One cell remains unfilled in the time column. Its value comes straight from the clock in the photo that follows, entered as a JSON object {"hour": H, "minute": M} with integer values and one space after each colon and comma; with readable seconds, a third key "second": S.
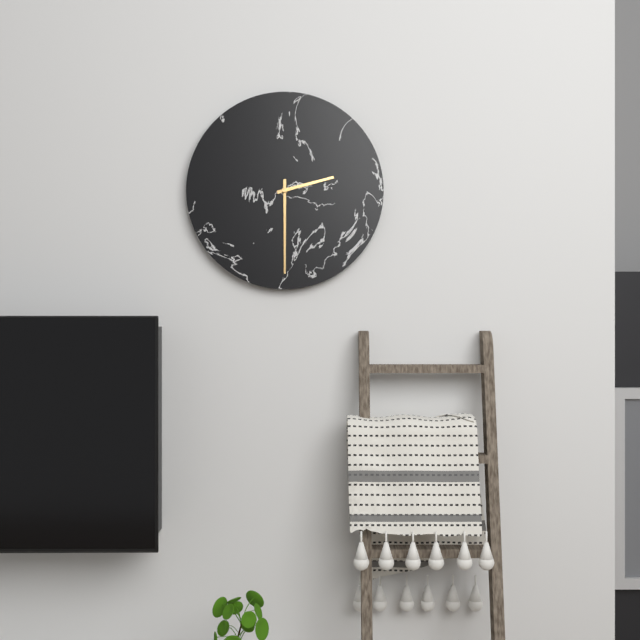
{"hour": 2, "minute": 30}
